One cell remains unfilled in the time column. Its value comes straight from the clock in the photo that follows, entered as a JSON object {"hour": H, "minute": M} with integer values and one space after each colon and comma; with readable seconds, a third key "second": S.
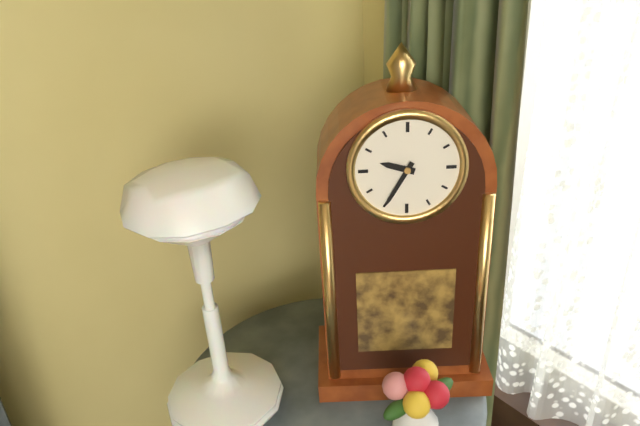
{"hour": 9, "minute": 35}
